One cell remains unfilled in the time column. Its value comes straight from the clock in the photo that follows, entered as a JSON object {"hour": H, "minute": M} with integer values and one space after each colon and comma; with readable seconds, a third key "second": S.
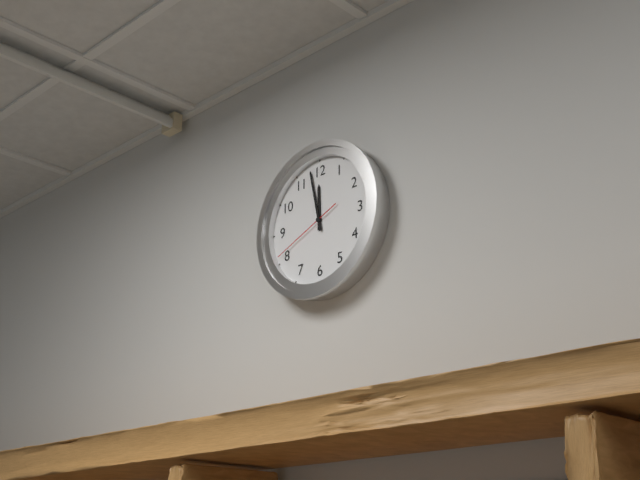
{"hour": 11, "minute": 58, "second": 41}
